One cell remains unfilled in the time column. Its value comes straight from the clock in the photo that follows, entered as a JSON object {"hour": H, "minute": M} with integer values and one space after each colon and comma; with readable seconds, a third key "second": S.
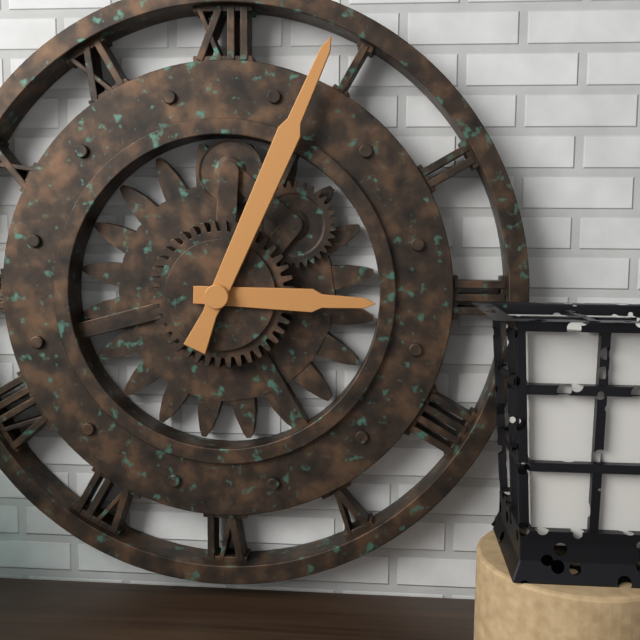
{"hour": 3, "minute": 4}
